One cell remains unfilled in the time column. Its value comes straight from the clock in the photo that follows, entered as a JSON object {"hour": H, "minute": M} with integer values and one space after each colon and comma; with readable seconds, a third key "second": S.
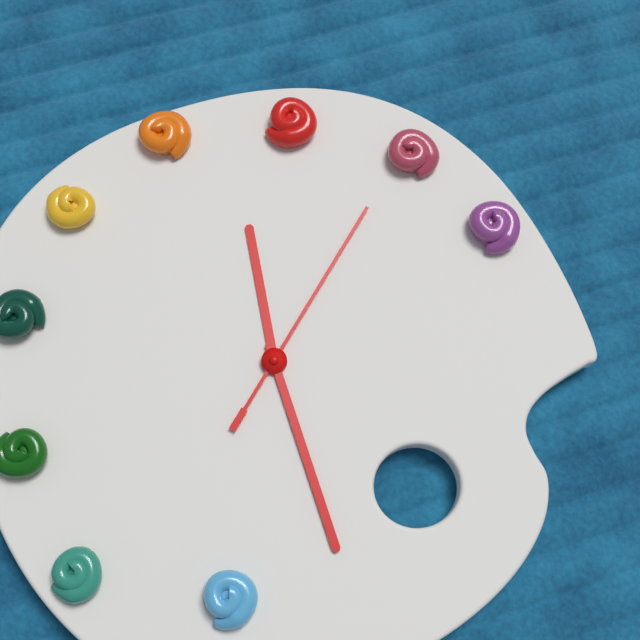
{"hour": 9, "minute": 15, "second": 53}
